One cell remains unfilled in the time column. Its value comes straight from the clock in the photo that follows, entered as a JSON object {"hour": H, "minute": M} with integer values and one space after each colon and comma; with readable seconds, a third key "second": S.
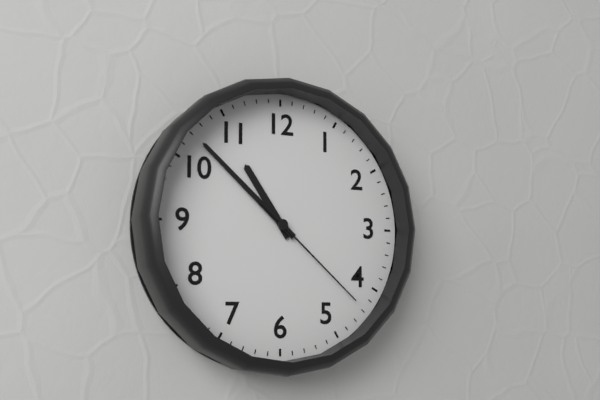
{"hour": 10, "minute": 52, "second": 22}
